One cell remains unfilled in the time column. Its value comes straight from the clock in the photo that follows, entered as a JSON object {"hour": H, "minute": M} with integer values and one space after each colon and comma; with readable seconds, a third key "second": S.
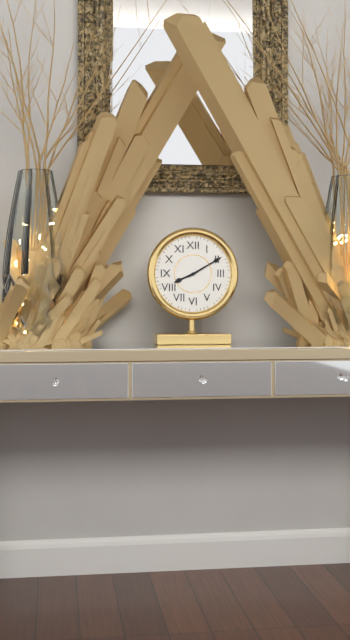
{"hour": 8, "minute": 10}
